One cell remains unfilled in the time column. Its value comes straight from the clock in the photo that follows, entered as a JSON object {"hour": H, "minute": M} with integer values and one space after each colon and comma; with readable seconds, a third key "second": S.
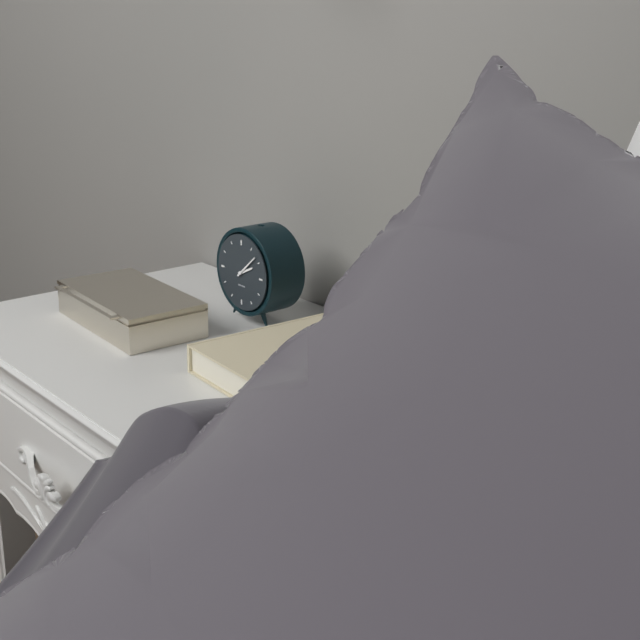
{"hour": 2, "minute": 8}
